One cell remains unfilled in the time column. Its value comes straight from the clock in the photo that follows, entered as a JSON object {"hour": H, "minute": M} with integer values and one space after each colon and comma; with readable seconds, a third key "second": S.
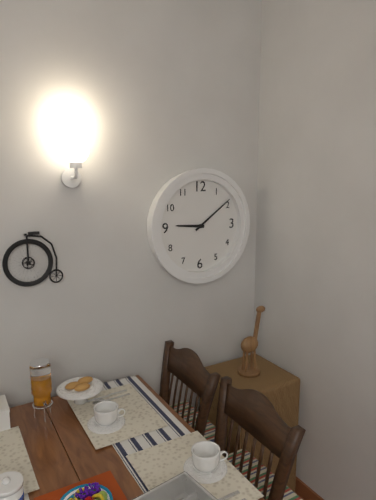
{"hour": 9, "minute": 9}
